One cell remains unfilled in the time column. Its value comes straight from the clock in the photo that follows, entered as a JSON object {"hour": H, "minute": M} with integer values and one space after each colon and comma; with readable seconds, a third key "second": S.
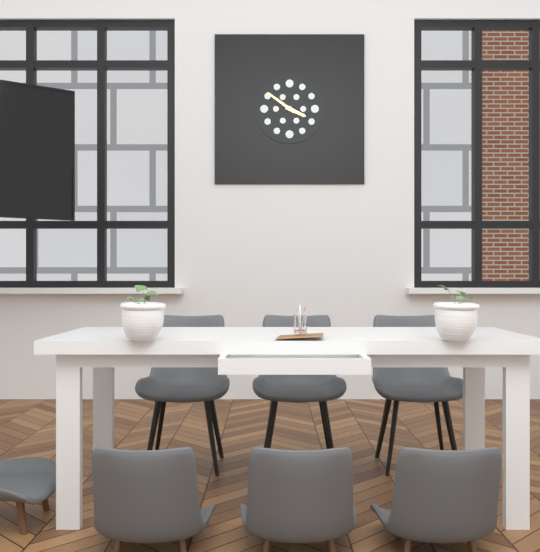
{"hour": 3, "minute": 51}
